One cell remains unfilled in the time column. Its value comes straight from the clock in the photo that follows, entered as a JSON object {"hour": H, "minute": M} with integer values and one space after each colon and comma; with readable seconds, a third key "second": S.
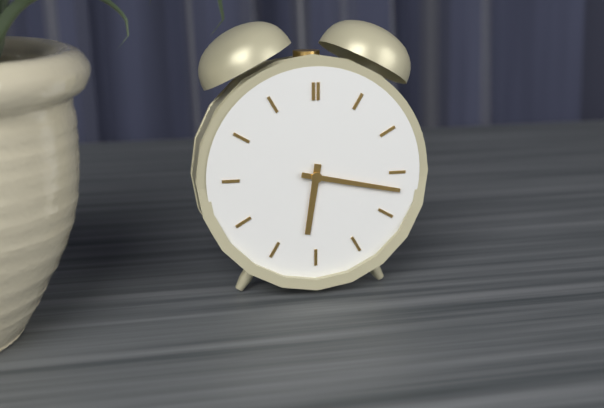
{"hour": 6, "minute": 17}
